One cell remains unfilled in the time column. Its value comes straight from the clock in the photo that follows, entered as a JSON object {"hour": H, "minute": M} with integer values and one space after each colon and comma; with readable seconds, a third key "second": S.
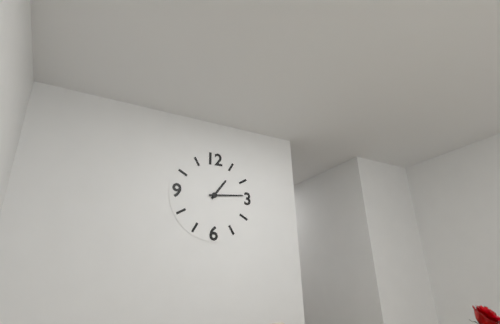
{"hour": 1, "minute": 14}
